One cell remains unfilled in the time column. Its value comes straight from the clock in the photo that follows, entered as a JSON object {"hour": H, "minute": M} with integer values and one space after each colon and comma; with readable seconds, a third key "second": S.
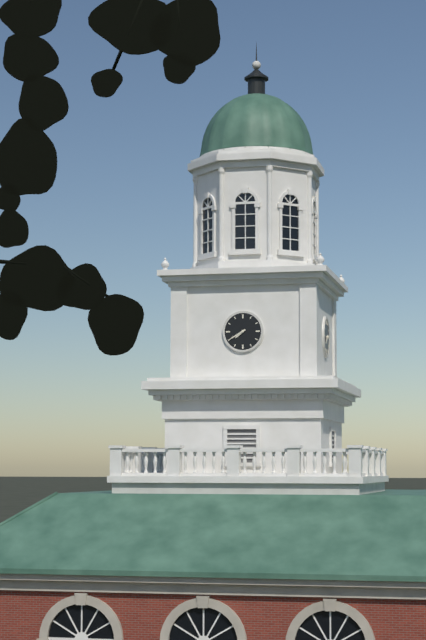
{"hour": 7, "minute": 40}
